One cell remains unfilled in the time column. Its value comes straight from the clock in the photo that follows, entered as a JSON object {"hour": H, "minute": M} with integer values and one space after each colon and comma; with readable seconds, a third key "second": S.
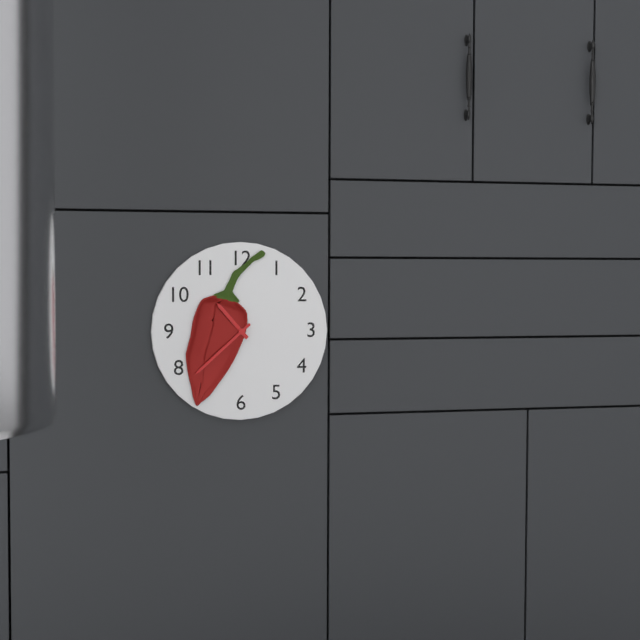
{"hour": 10, "minute": 38}
